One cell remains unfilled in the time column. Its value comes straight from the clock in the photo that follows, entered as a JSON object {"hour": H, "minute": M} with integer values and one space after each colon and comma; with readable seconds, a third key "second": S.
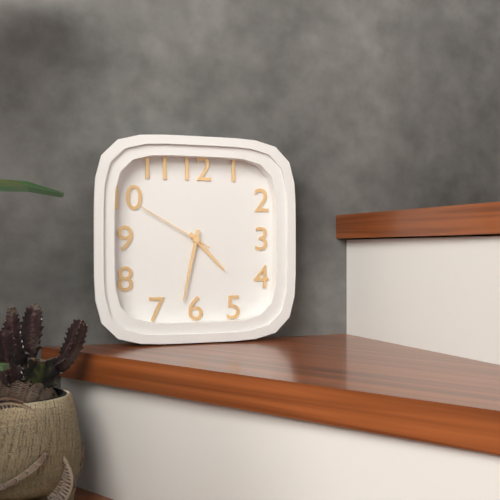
{"hour": 4, "minute": 32, "second": 50}
